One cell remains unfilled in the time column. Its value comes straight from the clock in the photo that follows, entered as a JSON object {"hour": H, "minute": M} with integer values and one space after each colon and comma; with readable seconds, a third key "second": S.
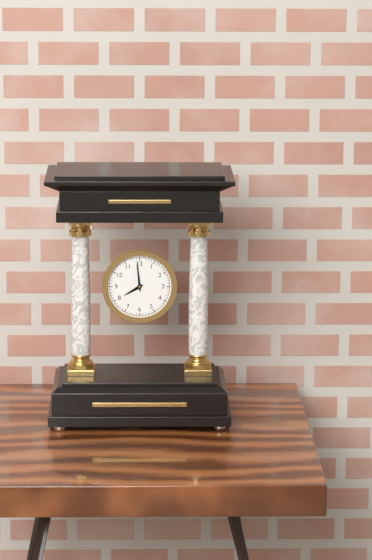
{"hour": 7, "minute": 59}
